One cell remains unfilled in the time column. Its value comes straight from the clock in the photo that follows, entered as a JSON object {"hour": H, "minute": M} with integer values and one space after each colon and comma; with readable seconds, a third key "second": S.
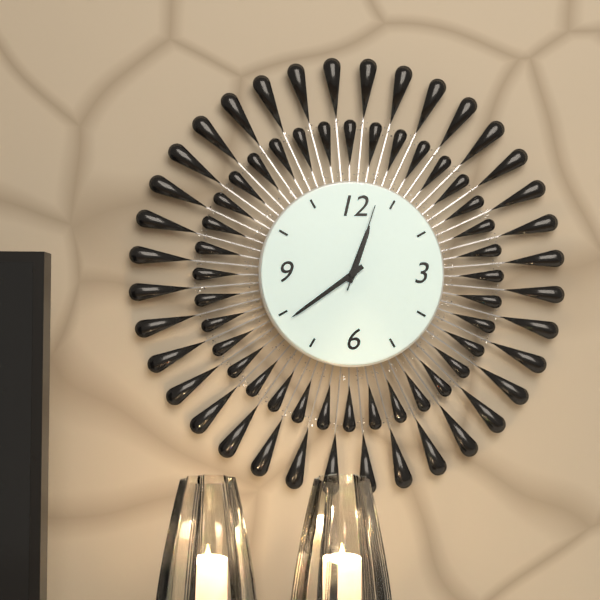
{"hour": 12, "minute": 39, "second": 3}
